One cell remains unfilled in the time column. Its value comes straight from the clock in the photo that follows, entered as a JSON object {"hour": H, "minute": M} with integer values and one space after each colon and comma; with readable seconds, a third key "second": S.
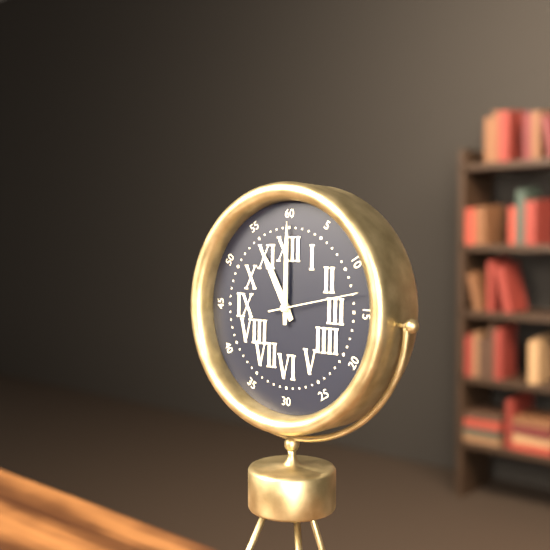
{"hour": 11, "minute": 0, "second": 13}
